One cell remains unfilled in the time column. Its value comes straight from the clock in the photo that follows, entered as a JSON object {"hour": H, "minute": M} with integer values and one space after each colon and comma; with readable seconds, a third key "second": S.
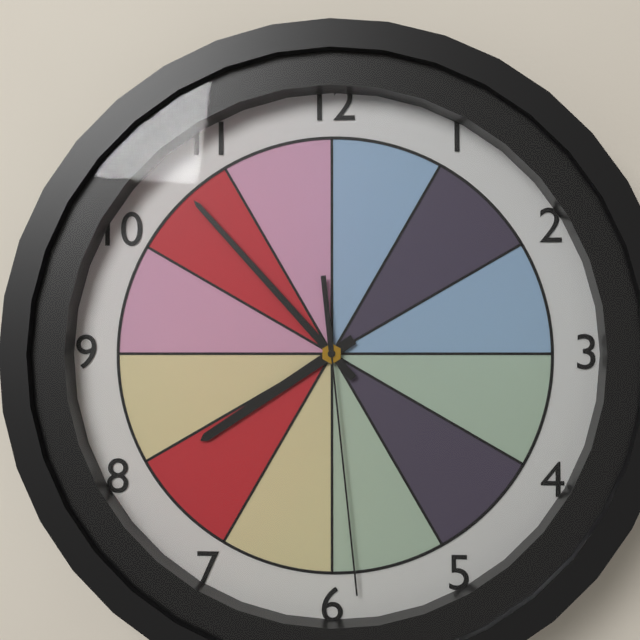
{"hour": 7, "minute": 53, "second": 29}
